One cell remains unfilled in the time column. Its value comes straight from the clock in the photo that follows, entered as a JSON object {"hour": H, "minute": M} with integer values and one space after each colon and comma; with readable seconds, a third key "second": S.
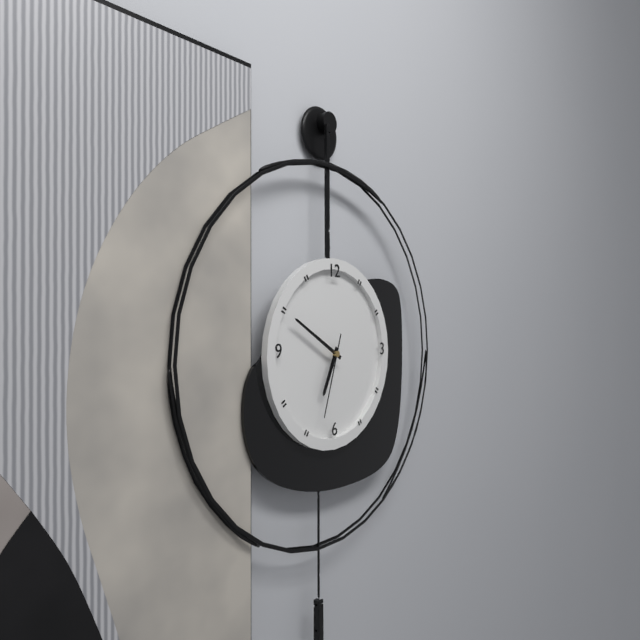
{"hour": 6, "minute": 50, "second": 33}
